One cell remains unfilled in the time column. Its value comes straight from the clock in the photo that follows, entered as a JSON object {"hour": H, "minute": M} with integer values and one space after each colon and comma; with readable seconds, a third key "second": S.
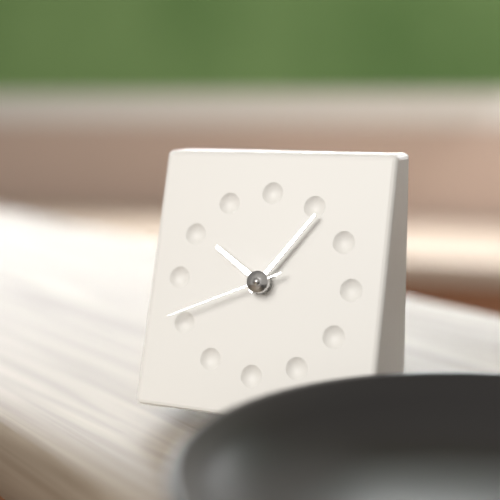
{"hour": 10, "minute": 6, "second": 41}
